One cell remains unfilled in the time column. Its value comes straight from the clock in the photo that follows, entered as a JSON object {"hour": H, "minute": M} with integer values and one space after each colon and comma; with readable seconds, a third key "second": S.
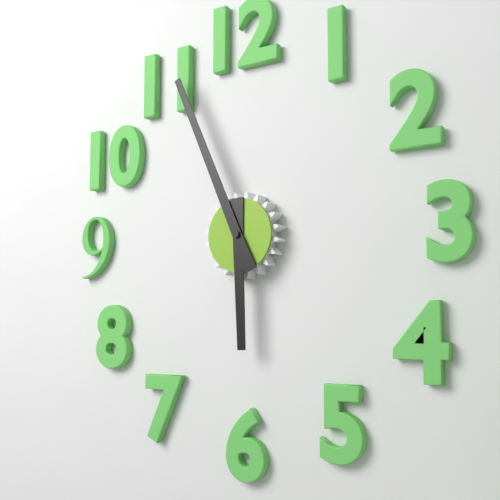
{"hour": 5, "minute": 56}
